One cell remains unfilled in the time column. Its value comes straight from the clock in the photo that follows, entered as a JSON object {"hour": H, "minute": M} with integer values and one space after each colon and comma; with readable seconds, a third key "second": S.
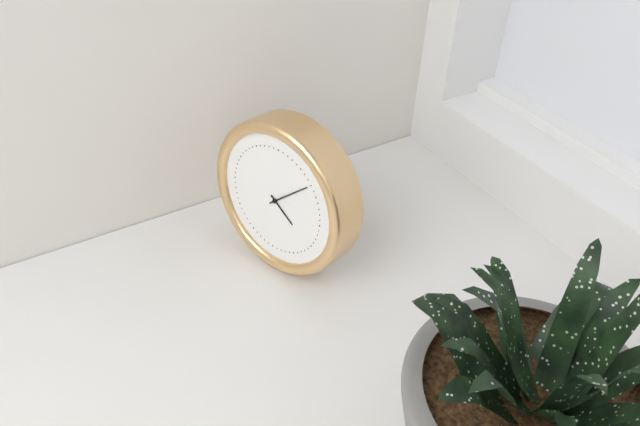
{"hour": 4, "minute": 8}
